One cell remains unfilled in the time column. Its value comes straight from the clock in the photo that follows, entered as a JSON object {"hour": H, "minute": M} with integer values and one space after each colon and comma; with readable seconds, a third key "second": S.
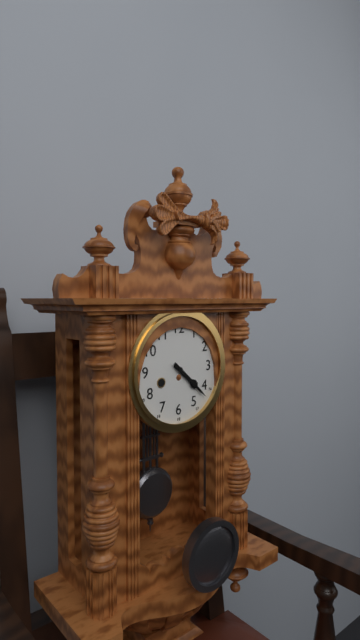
{"hour": 4, "minute": 22}
